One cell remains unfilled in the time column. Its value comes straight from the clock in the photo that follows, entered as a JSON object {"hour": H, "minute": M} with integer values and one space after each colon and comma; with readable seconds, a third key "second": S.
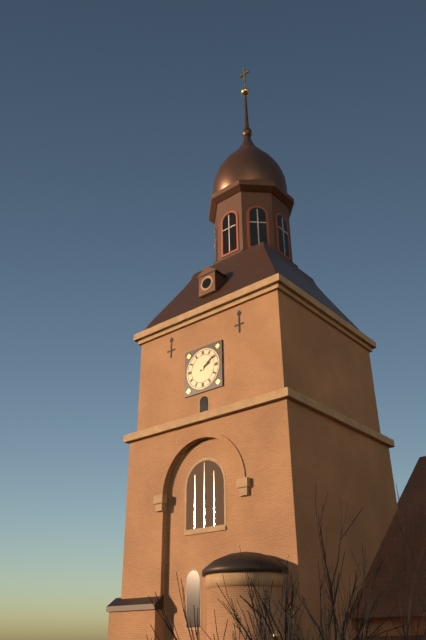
{"hour": 2, "minute": 9}
